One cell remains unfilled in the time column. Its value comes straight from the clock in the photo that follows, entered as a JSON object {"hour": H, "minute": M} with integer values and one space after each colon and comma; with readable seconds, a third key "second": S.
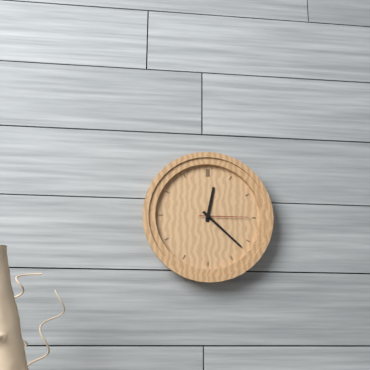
{"hour": 12, "minute": 22, "second": 15}
